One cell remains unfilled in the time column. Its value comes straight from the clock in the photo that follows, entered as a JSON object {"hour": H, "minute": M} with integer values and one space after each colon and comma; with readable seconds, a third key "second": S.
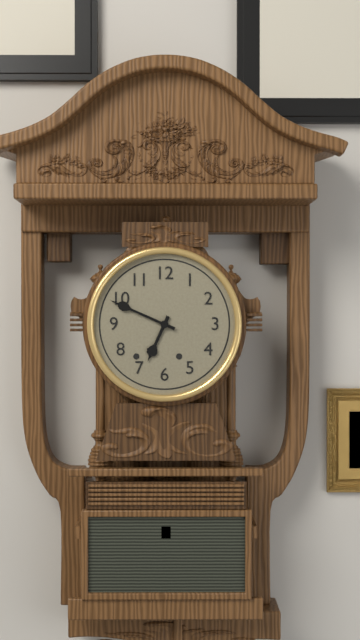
{"hour": 6, "minute": 49}
